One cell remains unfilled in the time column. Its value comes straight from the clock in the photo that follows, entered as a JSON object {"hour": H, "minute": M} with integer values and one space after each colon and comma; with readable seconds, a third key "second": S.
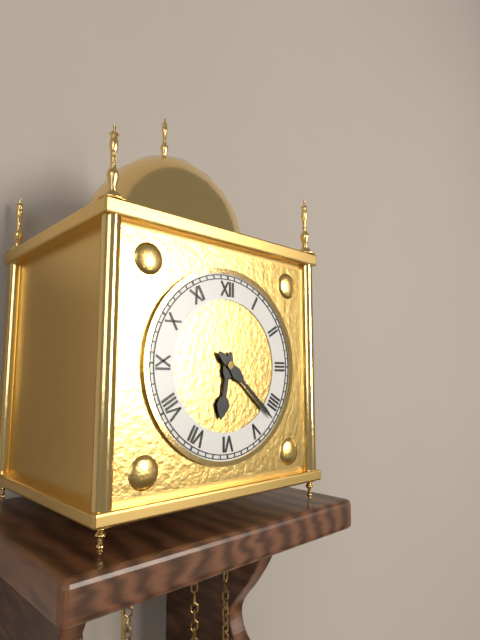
{"hour": 6, "minute": 22}
